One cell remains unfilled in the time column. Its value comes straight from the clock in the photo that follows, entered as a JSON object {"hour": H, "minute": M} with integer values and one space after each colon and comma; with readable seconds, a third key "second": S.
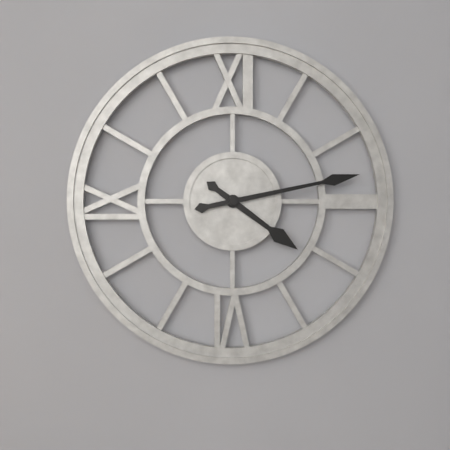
{"hour": 4, "minute": 13}
